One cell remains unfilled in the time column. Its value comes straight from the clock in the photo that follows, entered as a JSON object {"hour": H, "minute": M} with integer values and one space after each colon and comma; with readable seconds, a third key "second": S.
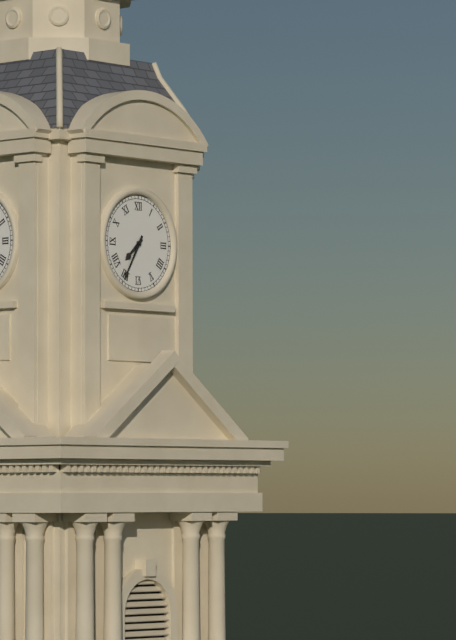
{"hour": 7, "minute": 35}
